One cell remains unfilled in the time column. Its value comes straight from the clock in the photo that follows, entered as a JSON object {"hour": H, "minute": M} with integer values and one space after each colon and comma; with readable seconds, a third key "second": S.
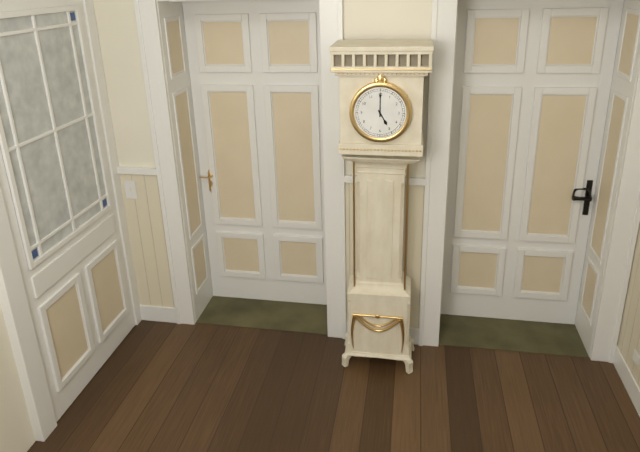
{"hour": 5, "minute": 0}
